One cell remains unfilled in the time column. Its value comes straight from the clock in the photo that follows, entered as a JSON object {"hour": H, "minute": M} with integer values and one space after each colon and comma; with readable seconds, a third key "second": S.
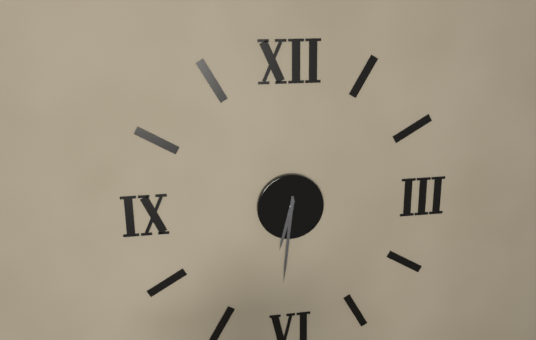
{"hour": 6, "minute": 31}
